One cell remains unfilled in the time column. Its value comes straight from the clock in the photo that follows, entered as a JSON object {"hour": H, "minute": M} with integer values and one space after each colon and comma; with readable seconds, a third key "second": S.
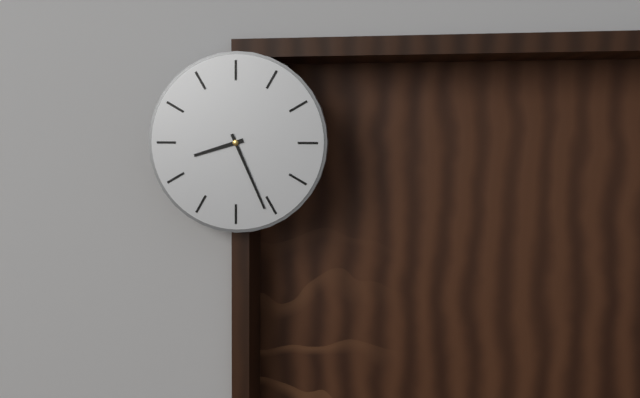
{"hour": 8, "minute": 26}
